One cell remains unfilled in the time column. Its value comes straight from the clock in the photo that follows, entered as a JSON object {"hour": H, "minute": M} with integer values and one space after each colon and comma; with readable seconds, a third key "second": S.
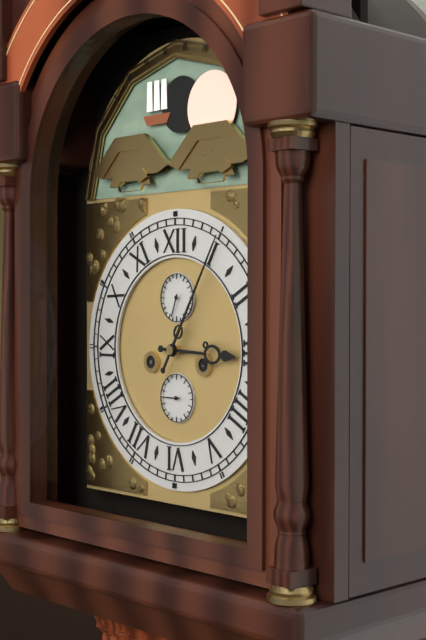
{"hour": 3, "minute": 5}
